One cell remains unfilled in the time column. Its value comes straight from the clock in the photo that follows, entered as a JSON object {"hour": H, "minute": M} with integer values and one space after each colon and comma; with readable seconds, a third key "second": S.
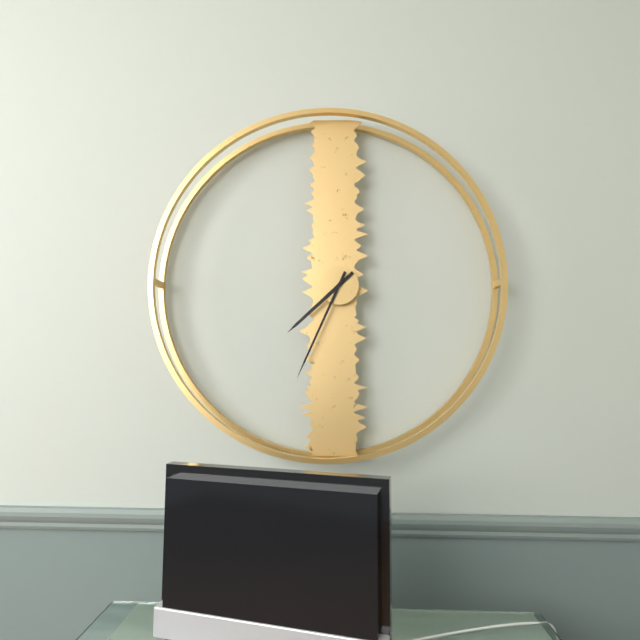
{"hour": 7, "minute": 34}
